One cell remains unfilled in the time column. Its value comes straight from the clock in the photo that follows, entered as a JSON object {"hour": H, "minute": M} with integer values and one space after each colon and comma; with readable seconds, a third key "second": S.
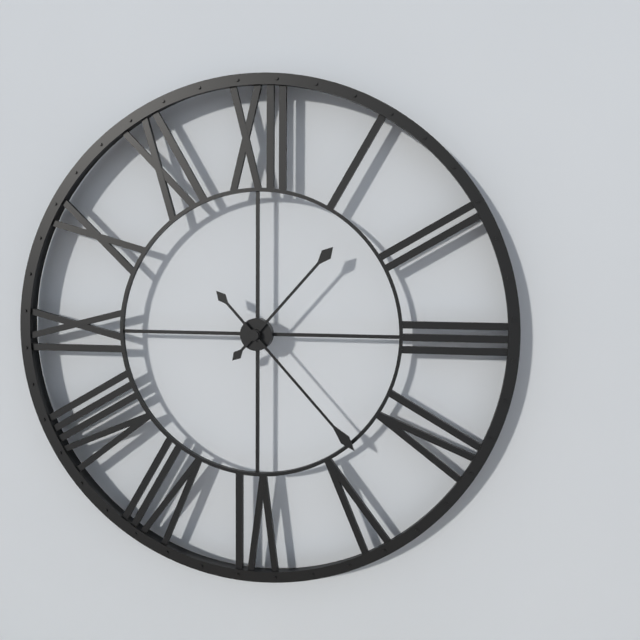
{"hour": 1, "minute": 23}
